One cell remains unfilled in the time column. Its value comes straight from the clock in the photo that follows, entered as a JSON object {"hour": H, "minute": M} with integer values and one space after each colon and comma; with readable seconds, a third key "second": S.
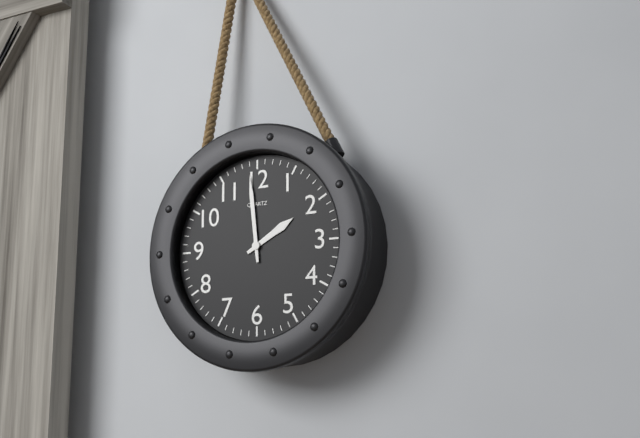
{"hour": 1, "minute": 59}
